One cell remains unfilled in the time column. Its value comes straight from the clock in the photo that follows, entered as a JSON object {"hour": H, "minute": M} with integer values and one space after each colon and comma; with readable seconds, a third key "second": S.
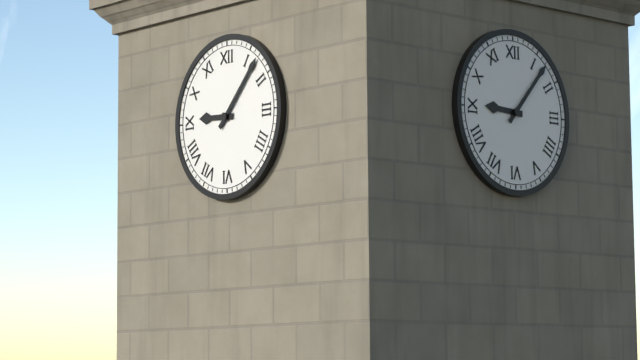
{"hour": 9, "minute": 7}
